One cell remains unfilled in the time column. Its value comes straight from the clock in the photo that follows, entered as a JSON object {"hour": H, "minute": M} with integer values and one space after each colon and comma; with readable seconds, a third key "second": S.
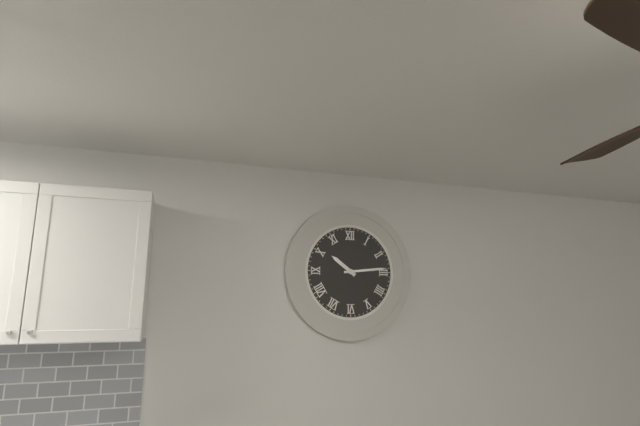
{"hour": 10, "minute": 14}
